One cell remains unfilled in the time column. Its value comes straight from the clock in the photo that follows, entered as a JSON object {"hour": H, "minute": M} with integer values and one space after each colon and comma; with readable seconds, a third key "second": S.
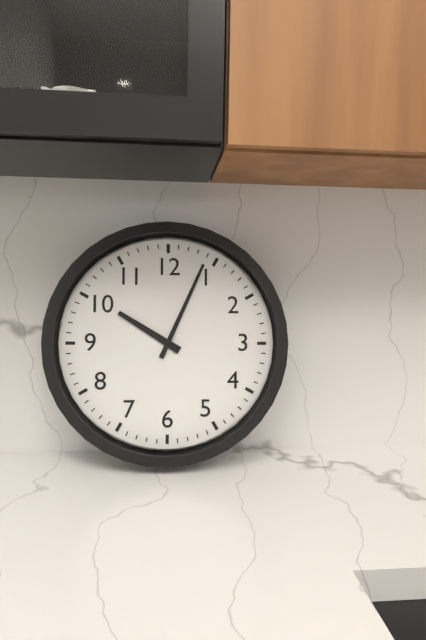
{"hour": 10, "minute": 4}
